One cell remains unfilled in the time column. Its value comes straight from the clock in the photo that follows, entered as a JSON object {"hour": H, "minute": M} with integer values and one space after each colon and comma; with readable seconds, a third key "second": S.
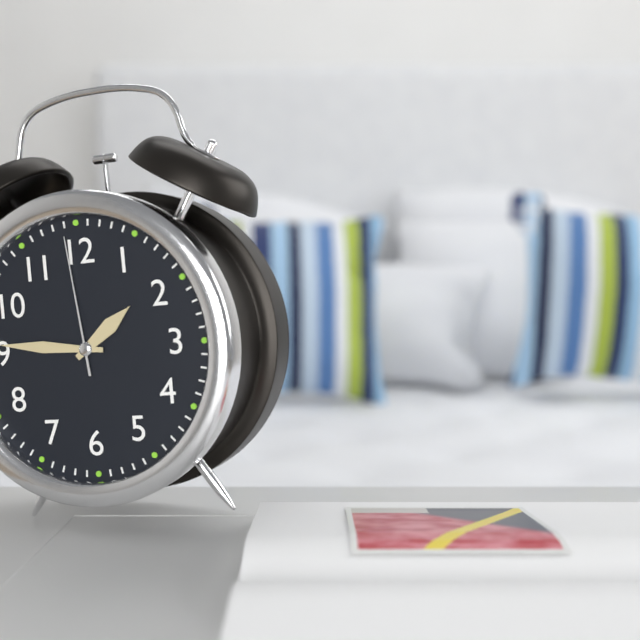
{"hour": 1, "minute": 46, "second": 59}
